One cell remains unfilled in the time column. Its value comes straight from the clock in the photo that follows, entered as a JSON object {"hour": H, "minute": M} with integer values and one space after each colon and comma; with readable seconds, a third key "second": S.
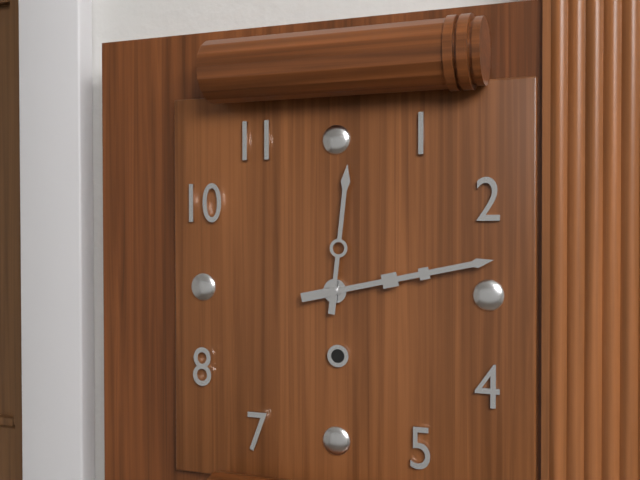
{"hour": 12, "minute": 13}
